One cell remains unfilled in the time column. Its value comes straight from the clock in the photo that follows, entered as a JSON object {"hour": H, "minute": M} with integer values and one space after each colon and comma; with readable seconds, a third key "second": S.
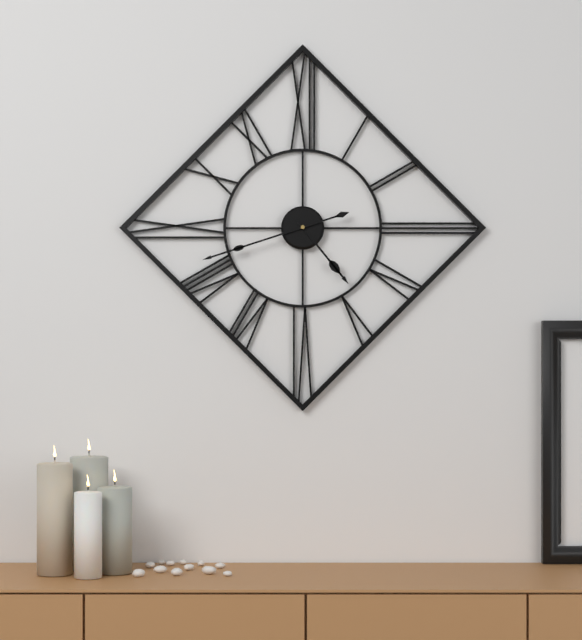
{"hour": 4, "minute": 42}
